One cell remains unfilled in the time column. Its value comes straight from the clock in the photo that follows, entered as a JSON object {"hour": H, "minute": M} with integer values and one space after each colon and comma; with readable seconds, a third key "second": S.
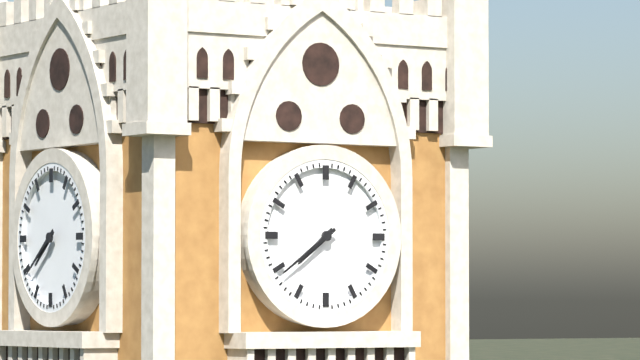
{"hour": 7, "minute": 39}
